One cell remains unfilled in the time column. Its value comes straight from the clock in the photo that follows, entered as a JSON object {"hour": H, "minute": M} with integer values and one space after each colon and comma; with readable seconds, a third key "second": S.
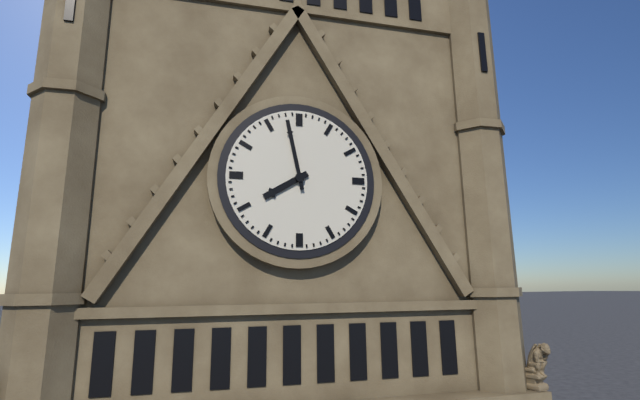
{"hour": 7, "minute": 58}
